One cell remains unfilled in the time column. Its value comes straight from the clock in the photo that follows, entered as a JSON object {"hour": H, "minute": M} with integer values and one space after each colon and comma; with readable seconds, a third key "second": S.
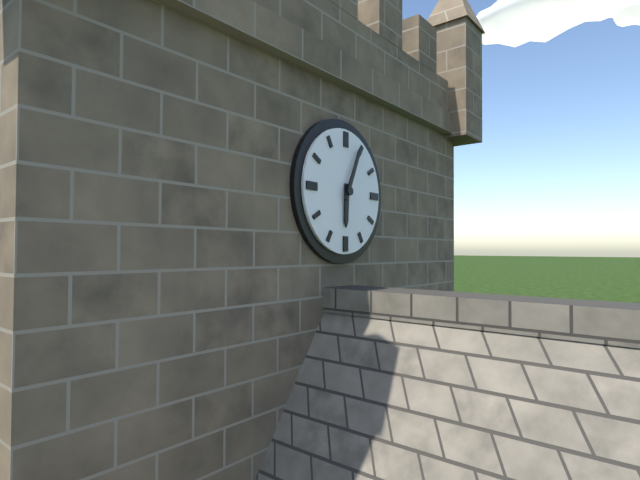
{"hour": 6, "minute": 4}
